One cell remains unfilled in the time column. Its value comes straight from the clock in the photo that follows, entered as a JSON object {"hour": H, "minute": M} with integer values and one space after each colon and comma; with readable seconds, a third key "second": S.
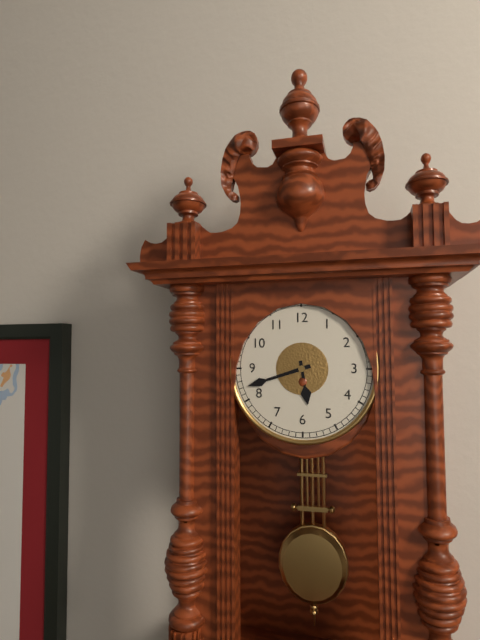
{"hour": 5, "minute": 42}
